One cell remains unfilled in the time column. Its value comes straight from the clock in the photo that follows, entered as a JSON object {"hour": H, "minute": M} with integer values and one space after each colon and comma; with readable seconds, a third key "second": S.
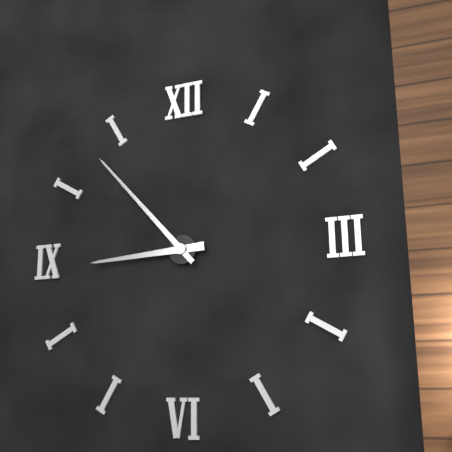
{"hour": 8, "minute": 53}
